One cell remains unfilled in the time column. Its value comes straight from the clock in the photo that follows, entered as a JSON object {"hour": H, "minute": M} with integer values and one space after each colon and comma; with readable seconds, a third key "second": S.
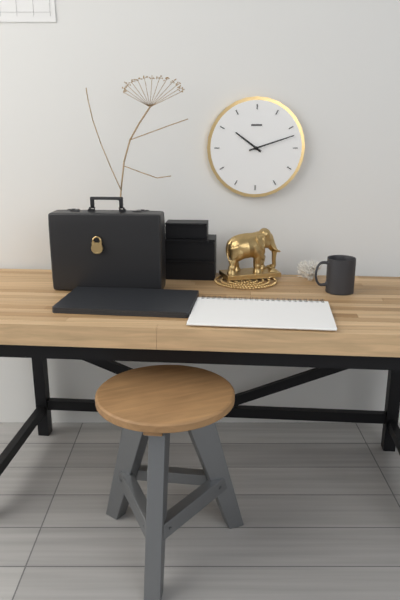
{"hour": 10, "minute": 12}
